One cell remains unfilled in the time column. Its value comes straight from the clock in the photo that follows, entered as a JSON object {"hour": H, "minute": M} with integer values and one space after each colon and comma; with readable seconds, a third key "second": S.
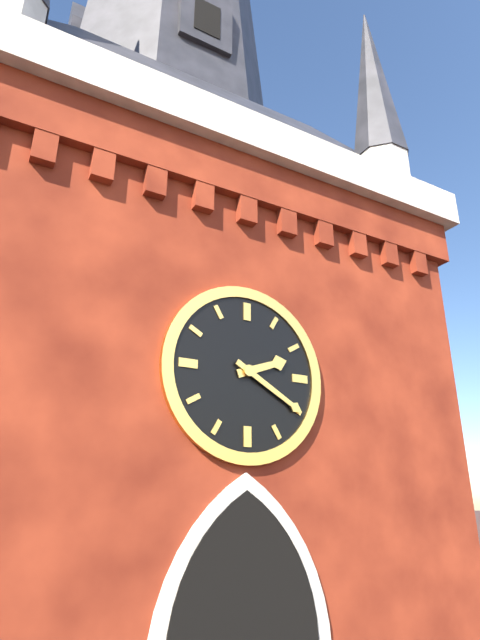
{"hour": 2, "minute": 20}
